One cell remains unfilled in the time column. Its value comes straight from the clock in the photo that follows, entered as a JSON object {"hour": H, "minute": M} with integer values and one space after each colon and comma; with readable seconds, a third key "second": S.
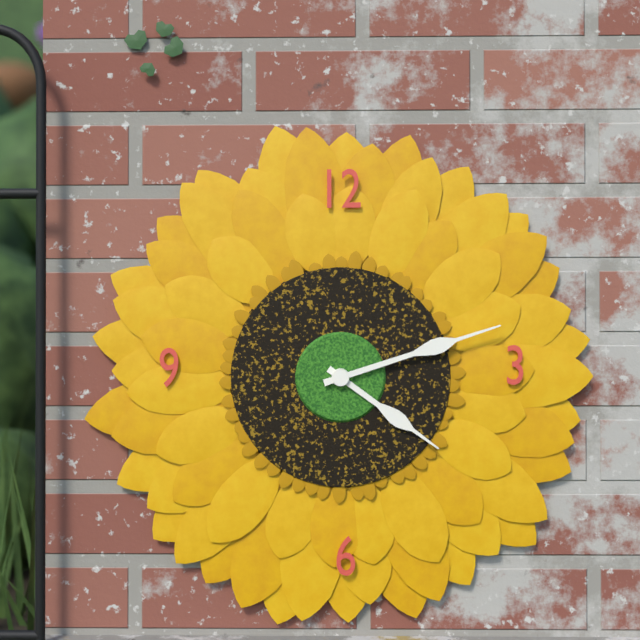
{"hour": 4, "minute": 12}
